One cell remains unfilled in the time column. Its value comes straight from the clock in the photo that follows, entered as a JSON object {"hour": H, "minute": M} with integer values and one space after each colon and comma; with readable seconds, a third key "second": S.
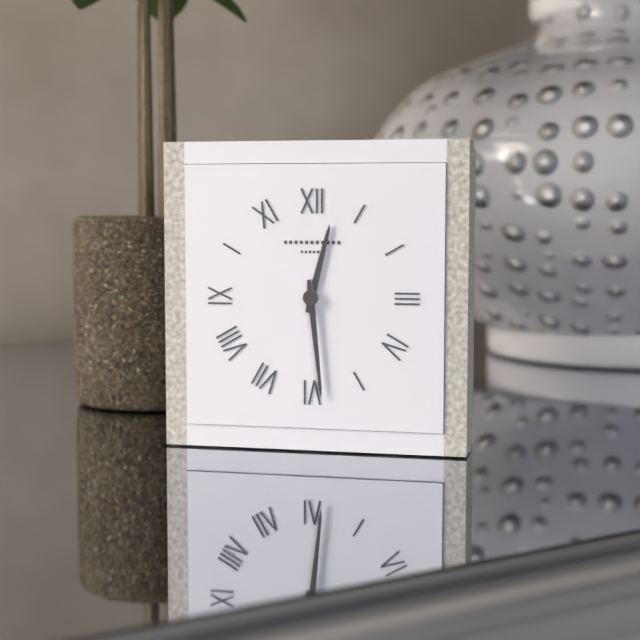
{"hour": 12, "minute": 29}
